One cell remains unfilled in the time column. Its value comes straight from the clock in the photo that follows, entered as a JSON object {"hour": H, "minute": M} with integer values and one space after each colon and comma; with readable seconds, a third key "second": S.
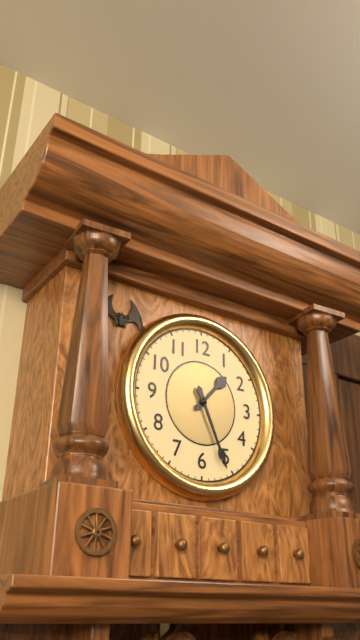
{"hour": 1, "minute": 26}
